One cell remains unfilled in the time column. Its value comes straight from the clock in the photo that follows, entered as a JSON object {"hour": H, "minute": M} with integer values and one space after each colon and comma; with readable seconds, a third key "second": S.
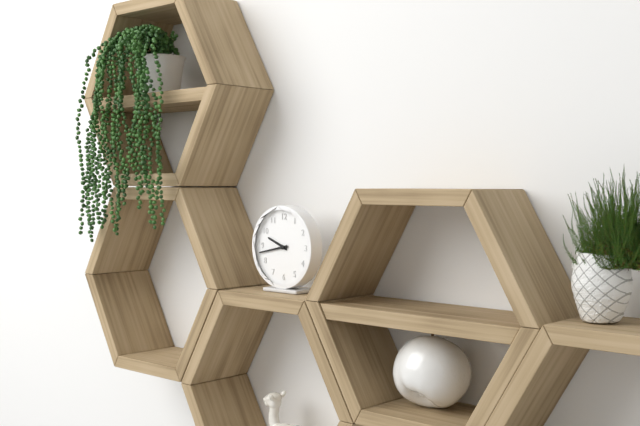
{"hour": 9, "minute": 43}
